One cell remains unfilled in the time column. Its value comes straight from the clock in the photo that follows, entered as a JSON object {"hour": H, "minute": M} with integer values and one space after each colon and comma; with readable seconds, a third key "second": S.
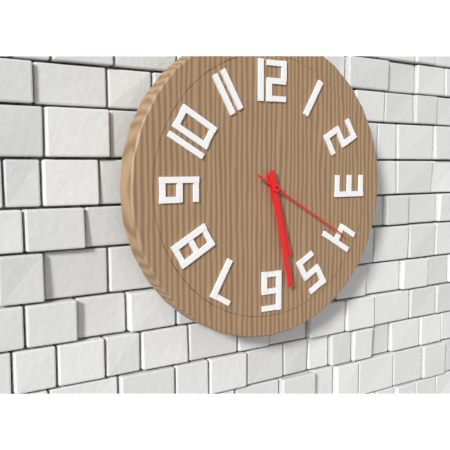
{"hour": 5, "minute": 28, "second": 20}
